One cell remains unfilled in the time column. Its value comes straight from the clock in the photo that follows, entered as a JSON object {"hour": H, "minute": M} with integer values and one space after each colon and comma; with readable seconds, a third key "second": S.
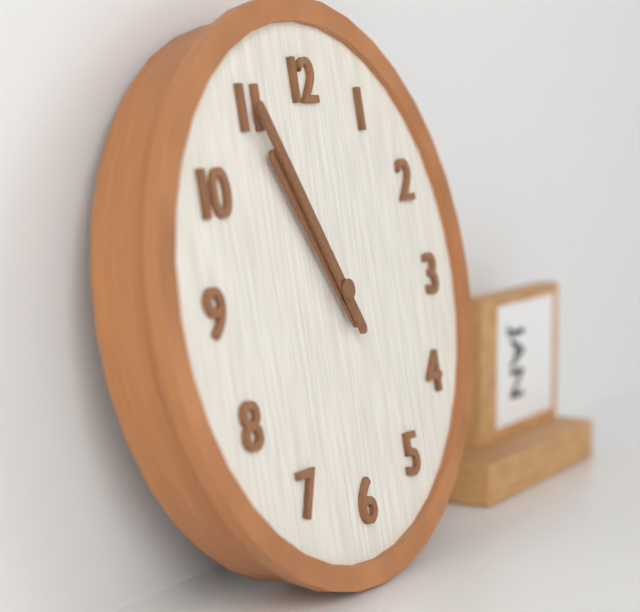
{"hour": 10, "minute": 55}
